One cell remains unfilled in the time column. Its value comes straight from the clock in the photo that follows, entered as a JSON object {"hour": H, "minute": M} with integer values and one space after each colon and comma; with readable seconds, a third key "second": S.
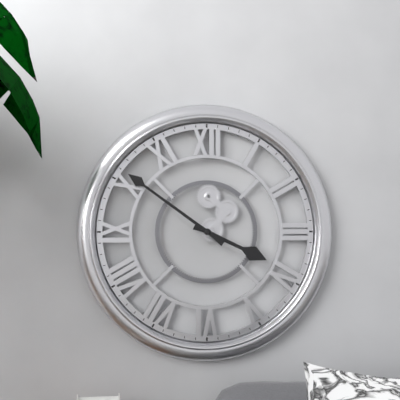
{"hour": 3, "minute": 51}
